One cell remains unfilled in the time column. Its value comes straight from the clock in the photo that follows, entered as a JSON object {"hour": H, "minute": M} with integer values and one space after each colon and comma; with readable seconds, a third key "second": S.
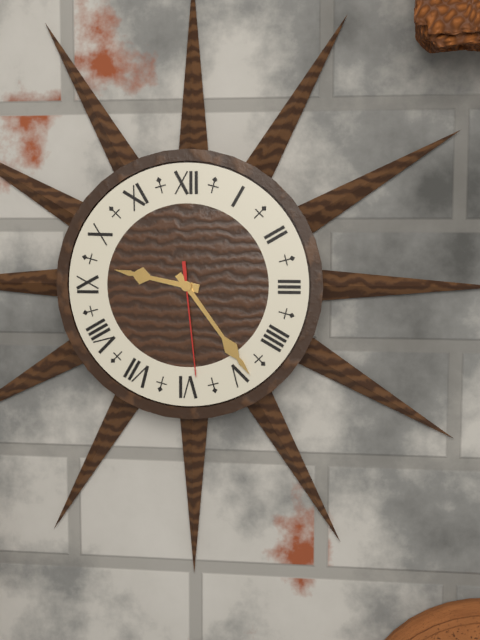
{"hour": 9, "minute": 24, "second": 29}
